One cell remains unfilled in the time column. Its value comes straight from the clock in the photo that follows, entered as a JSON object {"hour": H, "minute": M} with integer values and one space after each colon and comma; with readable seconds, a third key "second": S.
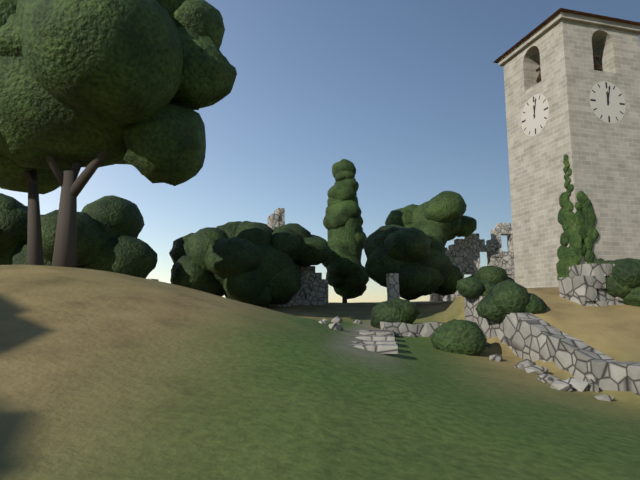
{"hour": 12, "minute": 2}
